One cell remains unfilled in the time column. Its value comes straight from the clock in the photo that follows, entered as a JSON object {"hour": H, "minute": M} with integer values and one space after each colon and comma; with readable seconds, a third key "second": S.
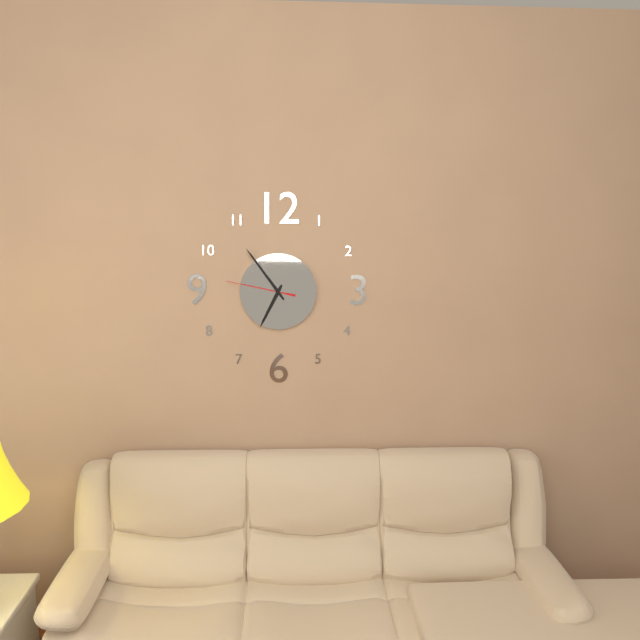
{"hour": 6, "minute": 54, "second": 47}
